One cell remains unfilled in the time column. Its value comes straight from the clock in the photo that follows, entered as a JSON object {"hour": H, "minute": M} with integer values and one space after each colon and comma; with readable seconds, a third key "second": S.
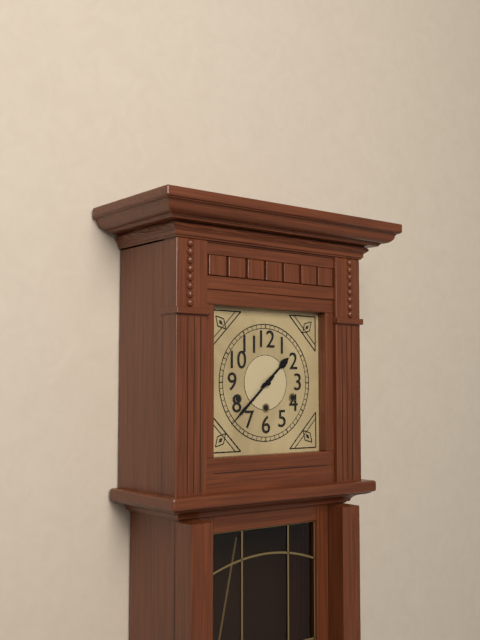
{"hour": 1, "minute": 38}
